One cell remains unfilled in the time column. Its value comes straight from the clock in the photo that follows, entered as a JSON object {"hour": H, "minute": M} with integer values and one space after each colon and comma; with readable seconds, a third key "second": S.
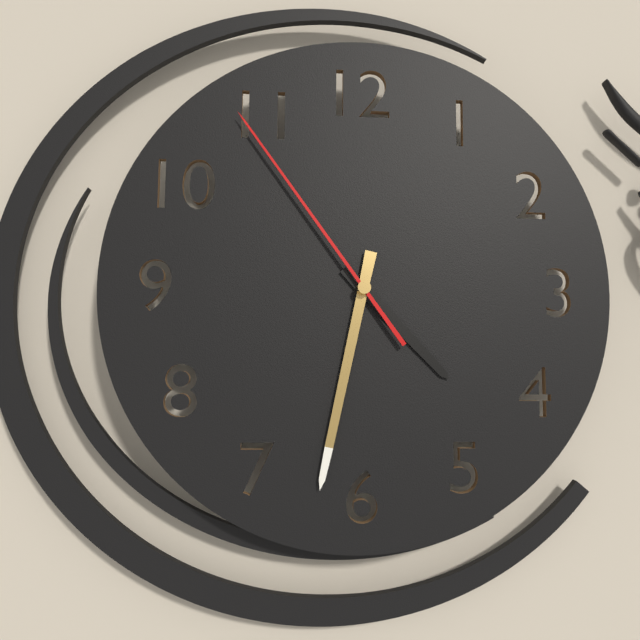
{"hour": 4, "minute": 32, "second": 54}
